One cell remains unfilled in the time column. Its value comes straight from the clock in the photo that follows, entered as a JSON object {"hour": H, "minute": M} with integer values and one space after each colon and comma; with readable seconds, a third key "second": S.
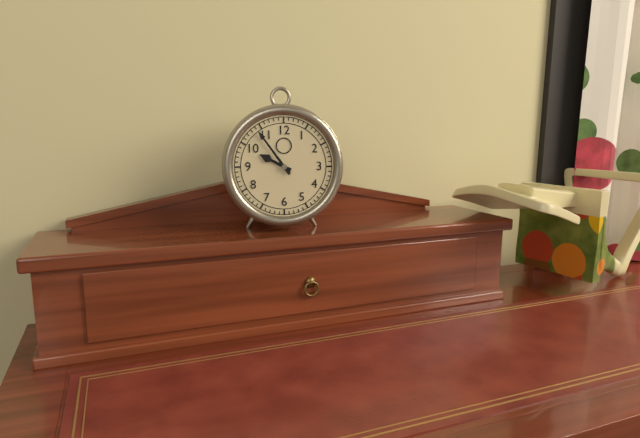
{"hour": 9, "minute": 54}
